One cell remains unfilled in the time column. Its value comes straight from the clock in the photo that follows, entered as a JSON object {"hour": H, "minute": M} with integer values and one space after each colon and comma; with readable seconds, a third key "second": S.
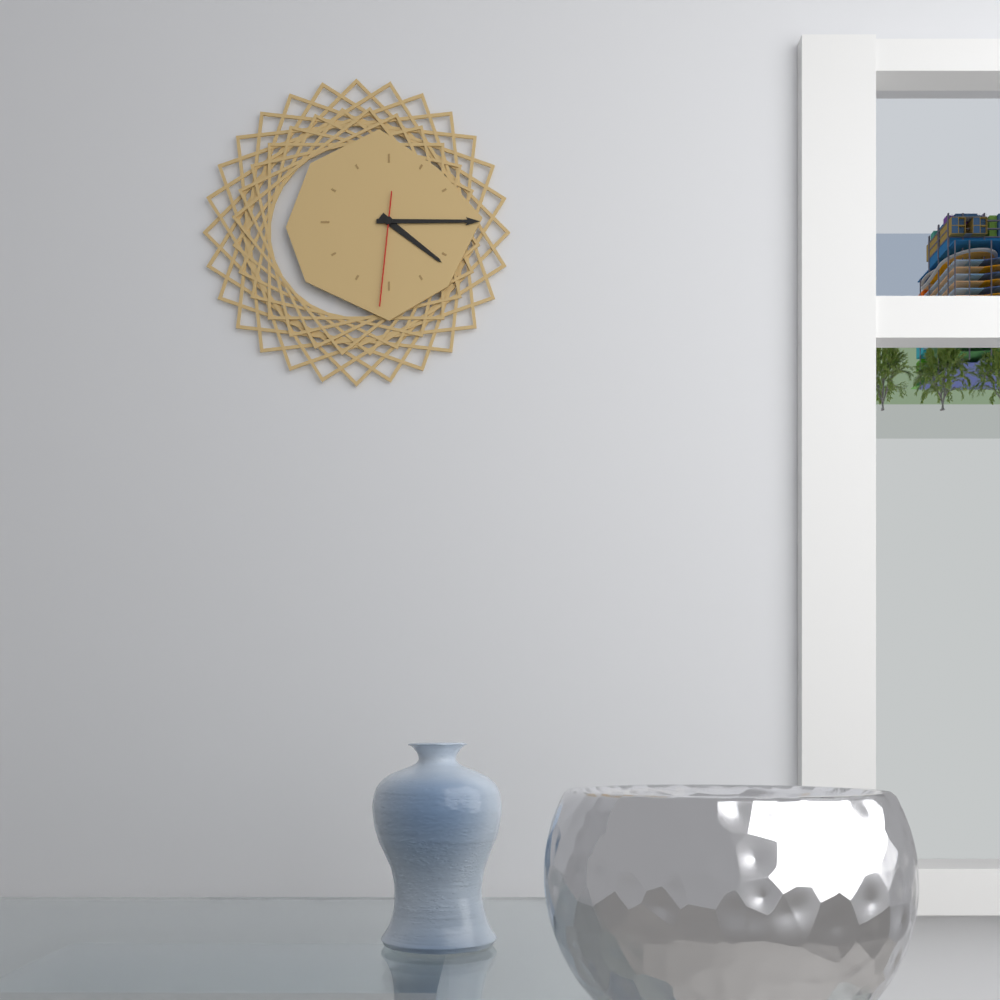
{"hour": 4, "minute": 15, "second": 31}
